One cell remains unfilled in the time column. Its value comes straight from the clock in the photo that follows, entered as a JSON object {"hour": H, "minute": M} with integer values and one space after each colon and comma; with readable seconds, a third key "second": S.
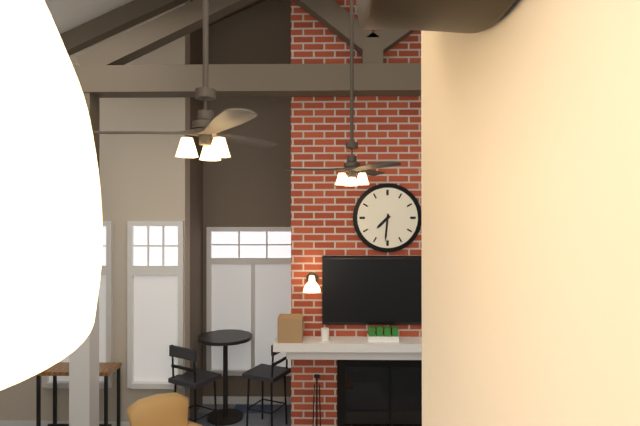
{"hour": 7, "minute": 31}
